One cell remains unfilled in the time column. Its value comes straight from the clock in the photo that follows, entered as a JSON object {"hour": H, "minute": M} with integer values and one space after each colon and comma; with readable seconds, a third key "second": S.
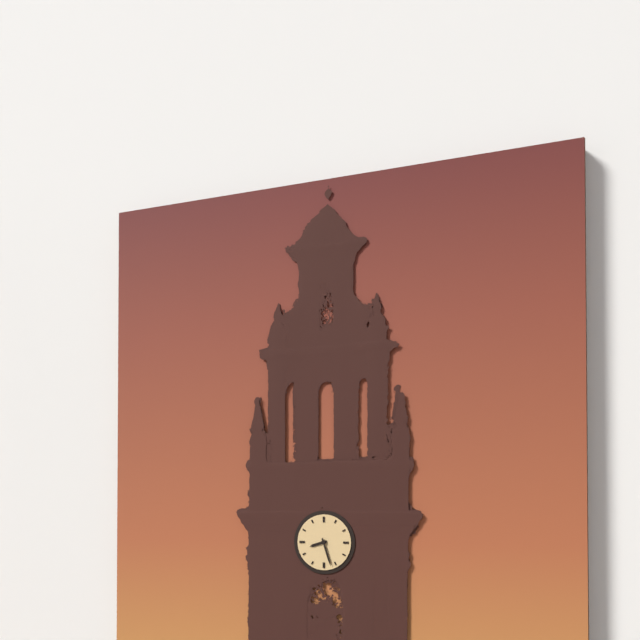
{"hour": 8, "minute": 27}
